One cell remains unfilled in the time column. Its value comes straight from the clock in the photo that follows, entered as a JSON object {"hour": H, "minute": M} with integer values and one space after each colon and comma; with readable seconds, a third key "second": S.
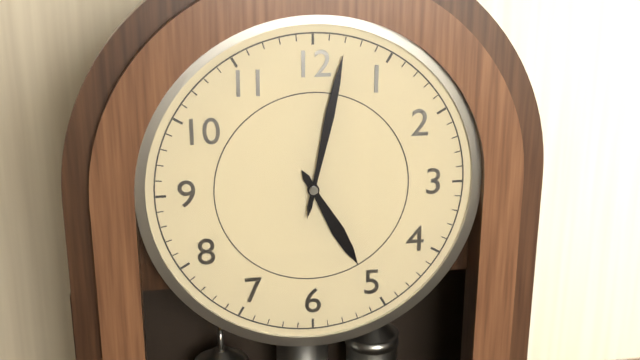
{"hour": 5, "minute": 2}
